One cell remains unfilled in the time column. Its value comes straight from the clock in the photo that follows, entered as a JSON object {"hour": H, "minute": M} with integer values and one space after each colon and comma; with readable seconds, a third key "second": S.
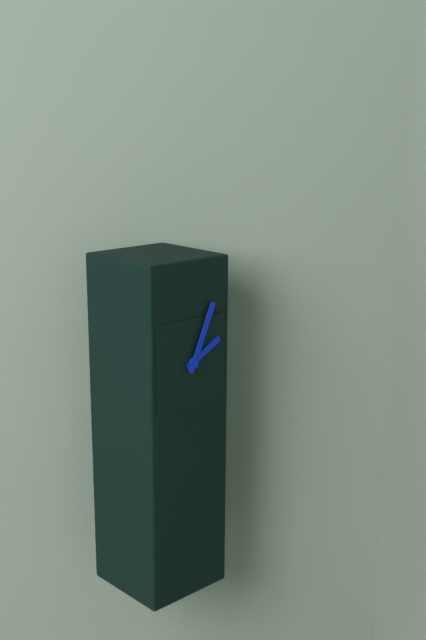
{"hour": 2, "minute": 4}
